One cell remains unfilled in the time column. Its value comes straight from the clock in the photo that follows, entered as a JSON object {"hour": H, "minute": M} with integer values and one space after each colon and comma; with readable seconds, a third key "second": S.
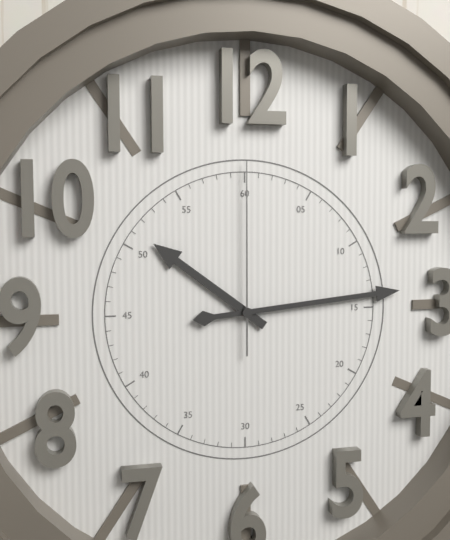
{"hour": 10, "minute": 14, "second": 0}
